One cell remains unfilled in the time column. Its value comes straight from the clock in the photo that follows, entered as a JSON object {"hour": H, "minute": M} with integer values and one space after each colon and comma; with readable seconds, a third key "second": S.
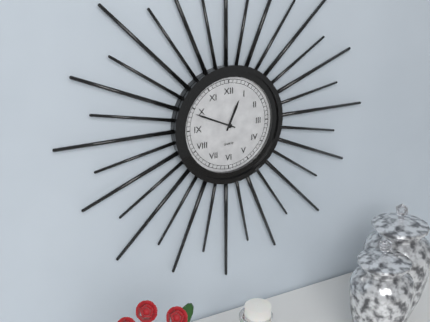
{"hour": 12, "minute": 49}
